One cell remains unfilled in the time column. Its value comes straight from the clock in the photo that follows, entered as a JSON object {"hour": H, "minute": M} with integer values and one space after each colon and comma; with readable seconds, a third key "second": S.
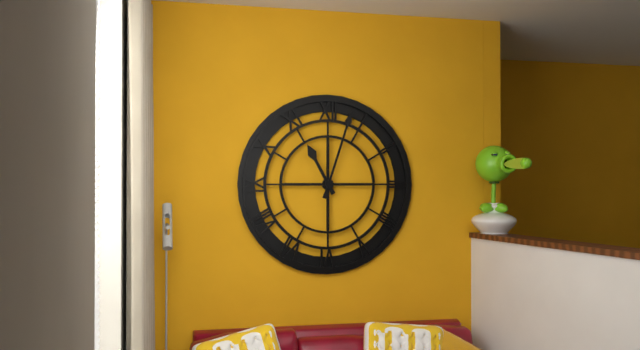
{"hour": 11, "minute": 3}
